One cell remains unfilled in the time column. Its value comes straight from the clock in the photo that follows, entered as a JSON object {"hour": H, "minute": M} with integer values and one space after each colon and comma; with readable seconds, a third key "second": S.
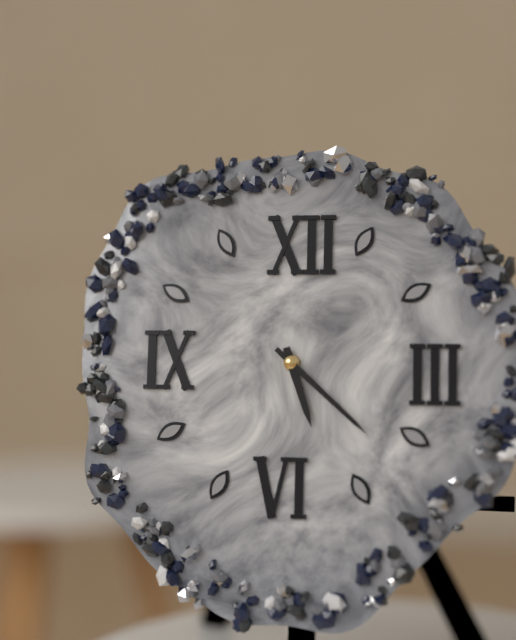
{"hour": 5, "minute": 22}
